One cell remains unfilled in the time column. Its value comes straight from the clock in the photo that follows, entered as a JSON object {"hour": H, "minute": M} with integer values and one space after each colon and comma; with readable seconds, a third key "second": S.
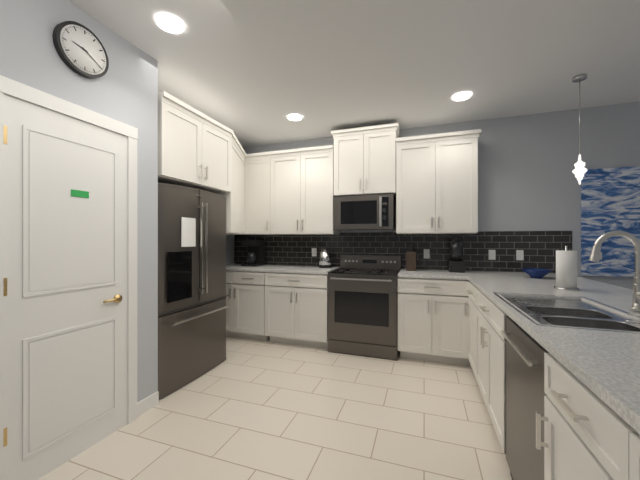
{"hour": 9, "minute": 20}
